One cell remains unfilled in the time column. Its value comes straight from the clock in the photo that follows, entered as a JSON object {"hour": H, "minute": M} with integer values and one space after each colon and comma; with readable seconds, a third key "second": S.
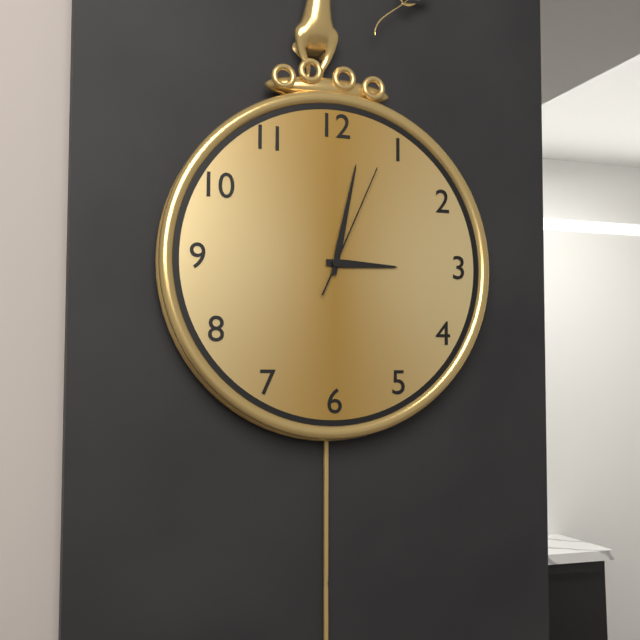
{"hour": 3, "minute": 2, "second": 4}
